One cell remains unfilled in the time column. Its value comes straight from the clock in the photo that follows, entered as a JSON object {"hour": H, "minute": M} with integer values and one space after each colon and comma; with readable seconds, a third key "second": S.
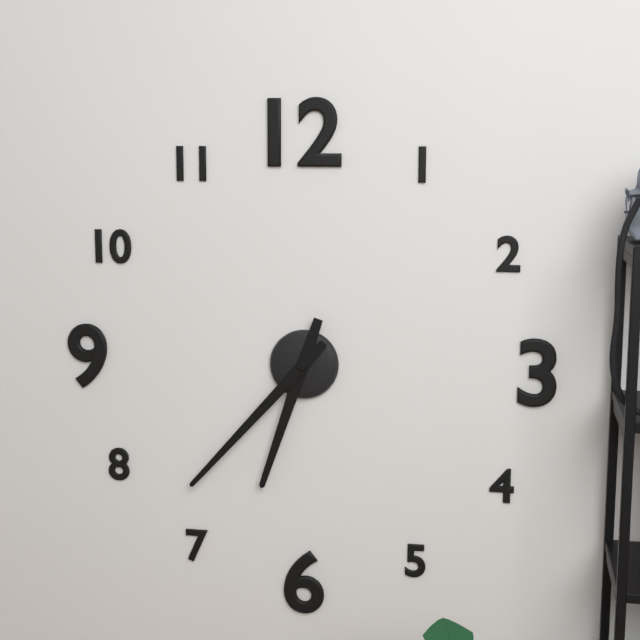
{"hour": 6, "minute": 37}
